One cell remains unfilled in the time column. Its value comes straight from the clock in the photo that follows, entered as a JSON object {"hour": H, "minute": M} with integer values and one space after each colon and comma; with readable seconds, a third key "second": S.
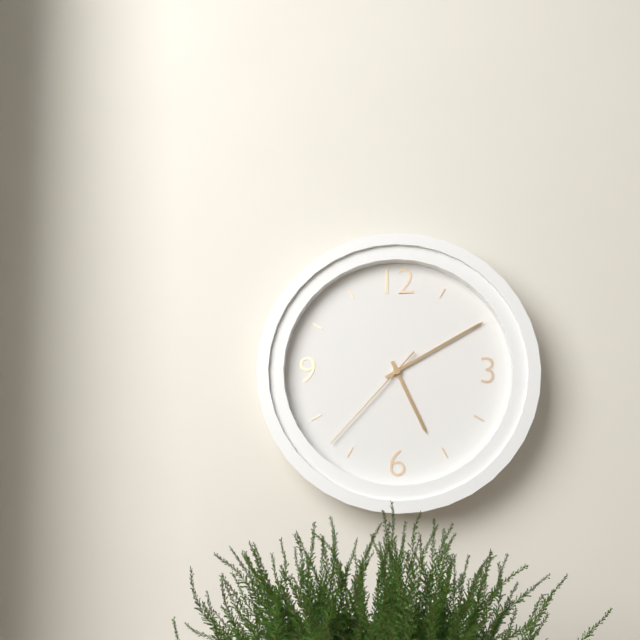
{"hour": 5, "minute": 10, "second": 37}
